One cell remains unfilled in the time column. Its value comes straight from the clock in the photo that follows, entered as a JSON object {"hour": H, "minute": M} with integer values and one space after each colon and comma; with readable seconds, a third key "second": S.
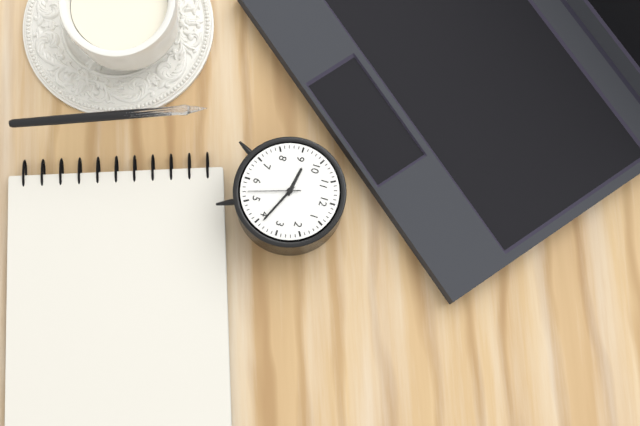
{"hour": 9, "minute": 19, "second": 27}
